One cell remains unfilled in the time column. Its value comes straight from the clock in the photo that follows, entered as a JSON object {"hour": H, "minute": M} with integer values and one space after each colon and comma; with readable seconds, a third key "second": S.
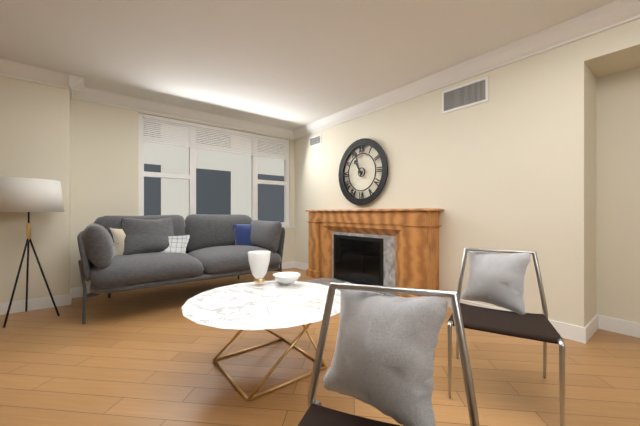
{"hour": 10, "minute": 57}
